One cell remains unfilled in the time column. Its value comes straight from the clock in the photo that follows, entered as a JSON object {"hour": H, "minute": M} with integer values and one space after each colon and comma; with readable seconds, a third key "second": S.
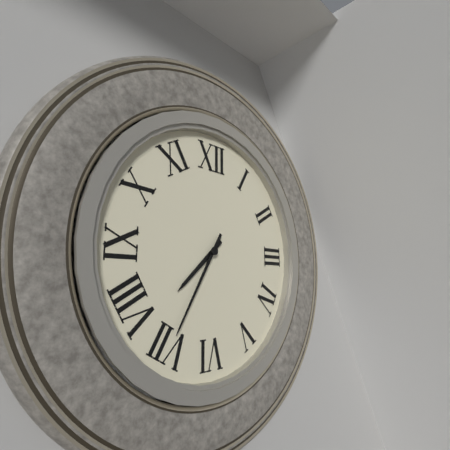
{"hour": 7, "minute": 35}
